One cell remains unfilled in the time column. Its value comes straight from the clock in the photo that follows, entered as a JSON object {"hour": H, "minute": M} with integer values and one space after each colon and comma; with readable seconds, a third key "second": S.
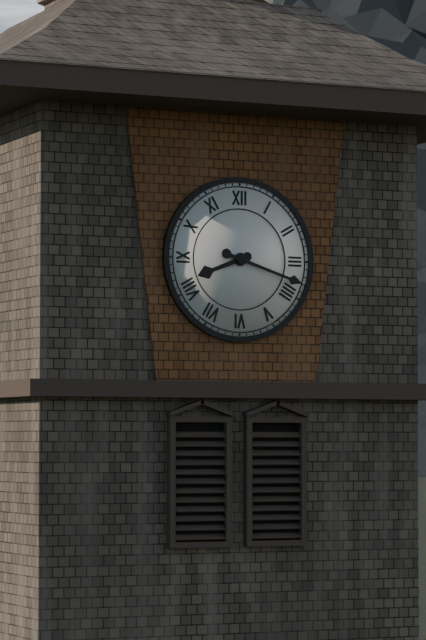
{"hour": 8, "minute": 18}
